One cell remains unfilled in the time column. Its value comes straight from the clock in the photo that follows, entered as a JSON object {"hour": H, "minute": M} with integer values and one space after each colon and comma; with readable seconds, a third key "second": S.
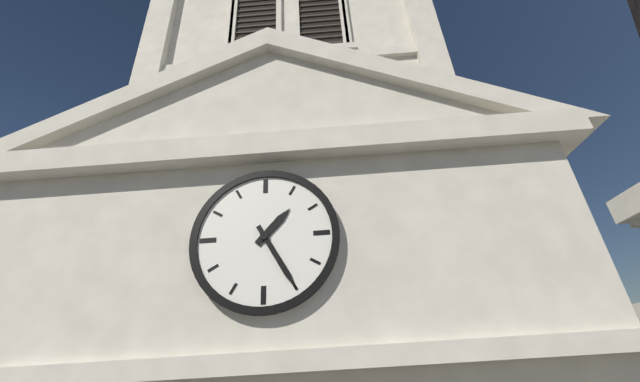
{"hour": 1, "minute": 25}
